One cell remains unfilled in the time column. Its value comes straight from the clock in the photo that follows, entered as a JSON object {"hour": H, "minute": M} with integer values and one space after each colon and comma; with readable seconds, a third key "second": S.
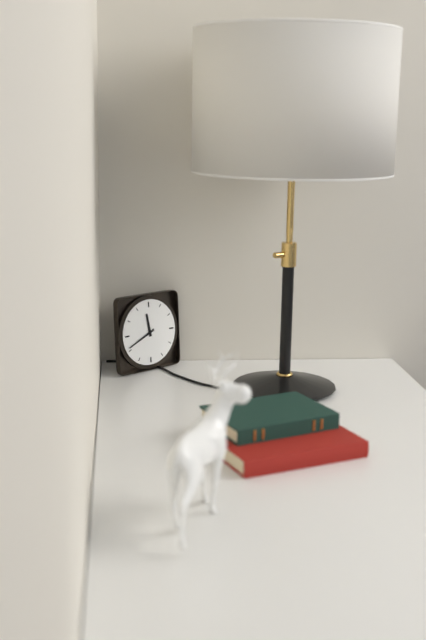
{"hour": 11, "minute": 41}
